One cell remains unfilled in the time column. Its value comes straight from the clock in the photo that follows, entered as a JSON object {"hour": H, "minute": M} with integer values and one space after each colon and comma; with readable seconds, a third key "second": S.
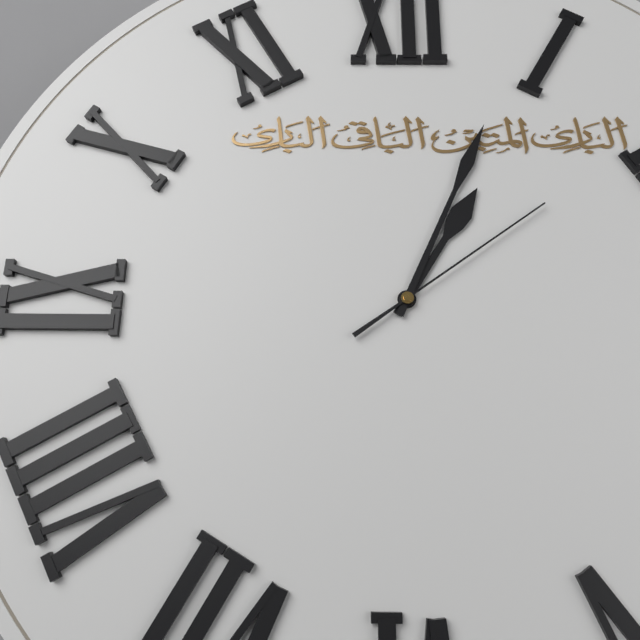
{"hour": 1, "minute": 4, "second": 9}
